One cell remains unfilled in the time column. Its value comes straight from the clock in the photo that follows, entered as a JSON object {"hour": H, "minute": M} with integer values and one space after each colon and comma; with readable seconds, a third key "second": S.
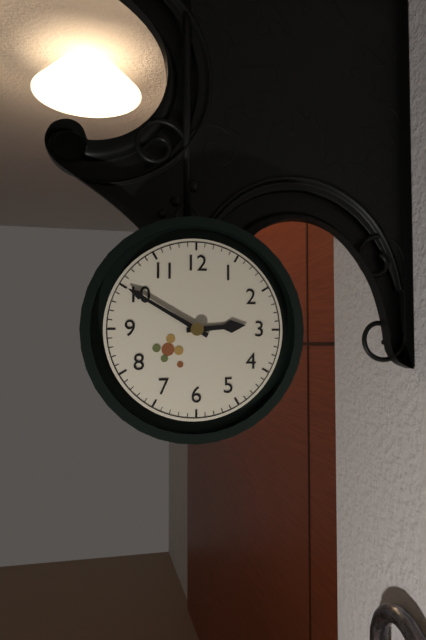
{"hour": 2, "minute": 50}
